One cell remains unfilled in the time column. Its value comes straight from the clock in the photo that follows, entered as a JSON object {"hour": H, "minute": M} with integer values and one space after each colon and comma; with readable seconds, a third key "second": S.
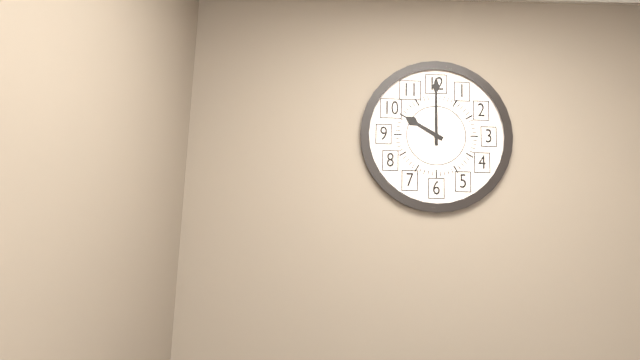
{"hour": 10, "minute": 0}
